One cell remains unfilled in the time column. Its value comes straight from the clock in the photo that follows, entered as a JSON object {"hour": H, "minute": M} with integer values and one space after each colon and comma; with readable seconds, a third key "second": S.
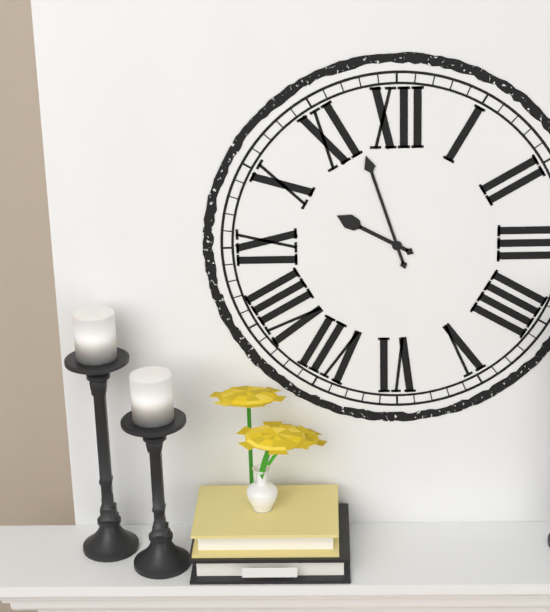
{"hour": 9, "minute": 57}
